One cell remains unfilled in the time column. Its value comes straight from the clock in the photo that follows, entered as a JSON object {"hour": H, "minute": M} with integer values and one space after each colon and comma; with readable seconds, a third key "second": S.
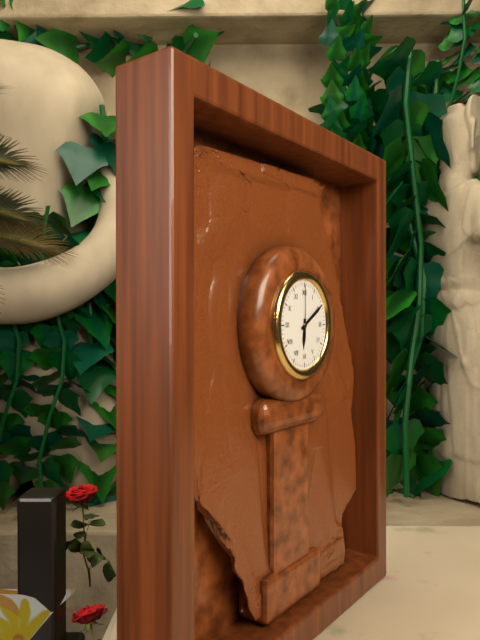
{"hour": 6, "minute": 10, "second": 0}
